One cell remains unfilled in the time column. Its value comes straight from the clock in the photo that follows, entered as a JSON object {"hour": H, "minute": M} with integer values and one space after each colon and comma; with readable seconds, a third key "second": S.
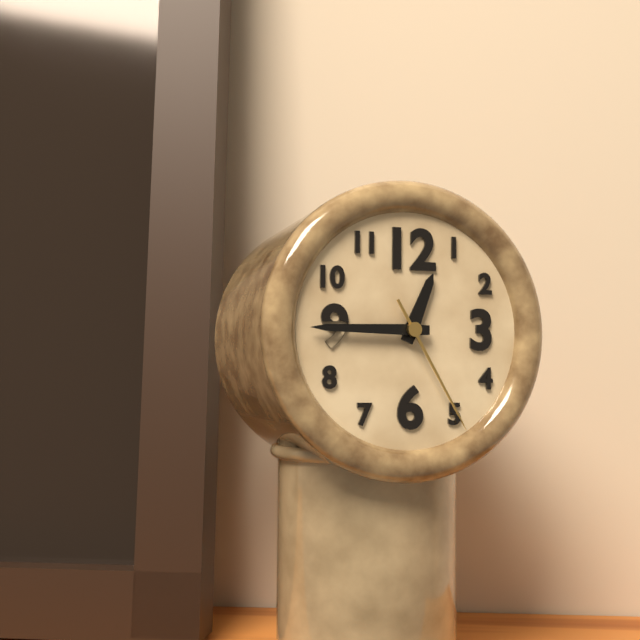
{"hour": 12, "minute": 45, "second": 25}
